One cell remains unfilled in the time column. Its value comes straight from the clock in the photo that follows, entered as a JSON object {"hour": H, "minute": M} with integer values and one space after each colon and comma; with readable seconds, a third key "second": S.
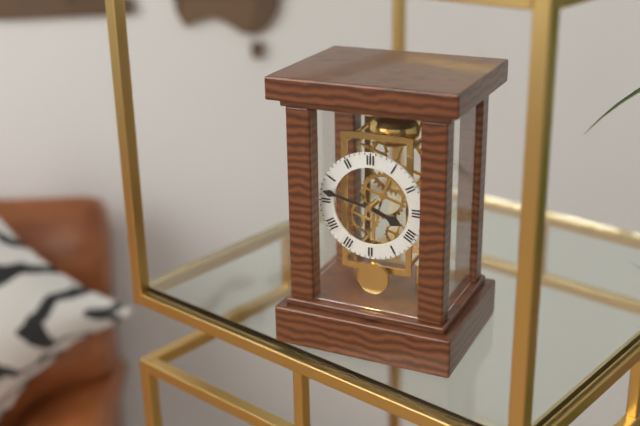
{"hour": 3, "minute": 47}
